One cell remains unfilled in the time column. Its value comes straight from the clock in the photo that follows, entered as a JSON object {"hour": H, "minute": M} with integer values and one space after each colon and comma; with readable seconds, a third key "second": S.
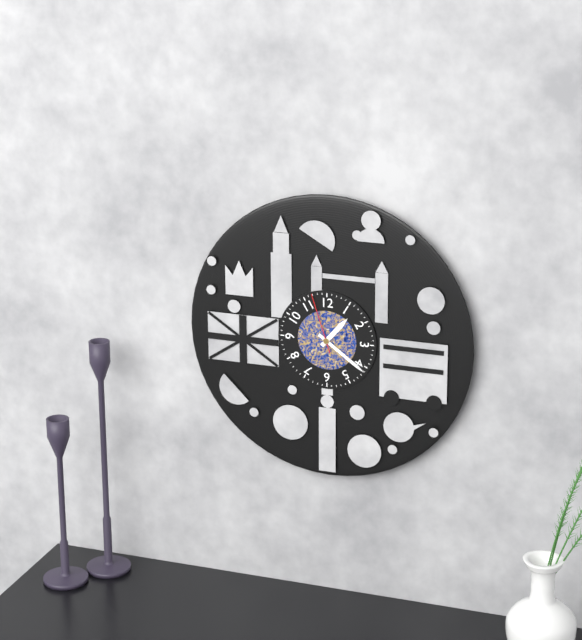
{"hour": 1, "minute": 21, "second": 57}
